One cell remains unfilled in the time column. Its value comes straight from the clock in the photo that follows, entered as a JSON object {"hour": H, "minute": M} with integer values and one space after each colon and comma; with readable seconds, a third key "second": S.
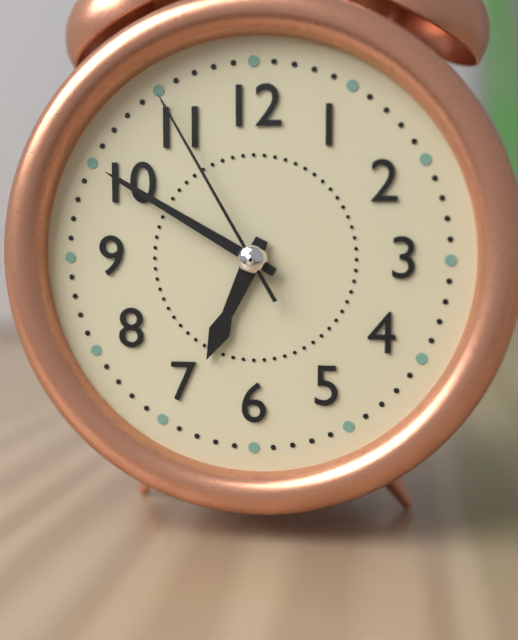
{"hour": 6, "minute": 50, "second": 55}
